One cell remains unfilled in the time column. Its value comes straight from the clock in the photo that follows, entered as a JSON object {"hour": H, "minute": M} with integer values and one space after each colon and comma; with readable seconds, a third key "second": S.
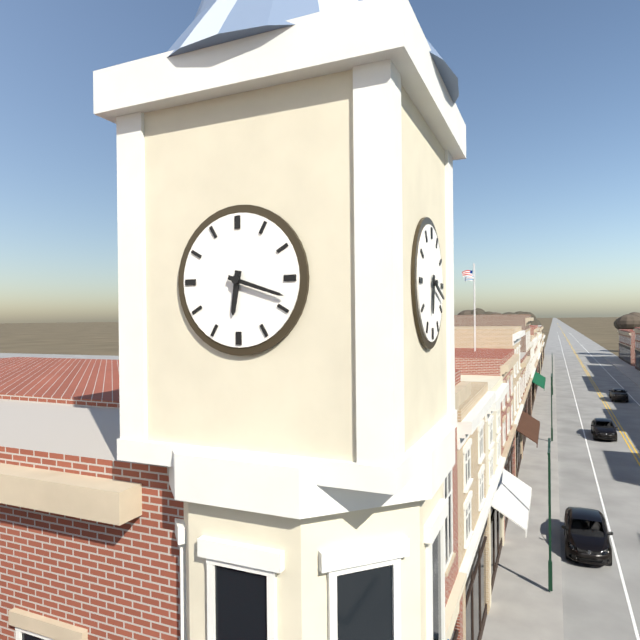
{"hour": 6, "minute": 18}
